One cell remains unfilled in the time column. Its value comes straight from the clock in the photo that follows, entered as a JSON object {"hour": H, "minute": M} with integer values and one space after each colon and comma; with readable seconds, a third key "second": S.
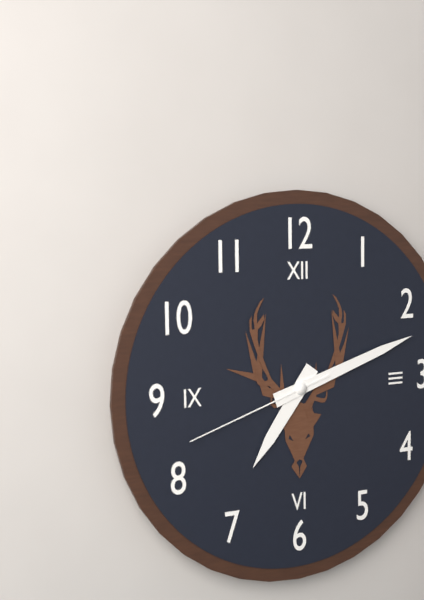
{"hour": 7, "minute": 12, "second": 42}
